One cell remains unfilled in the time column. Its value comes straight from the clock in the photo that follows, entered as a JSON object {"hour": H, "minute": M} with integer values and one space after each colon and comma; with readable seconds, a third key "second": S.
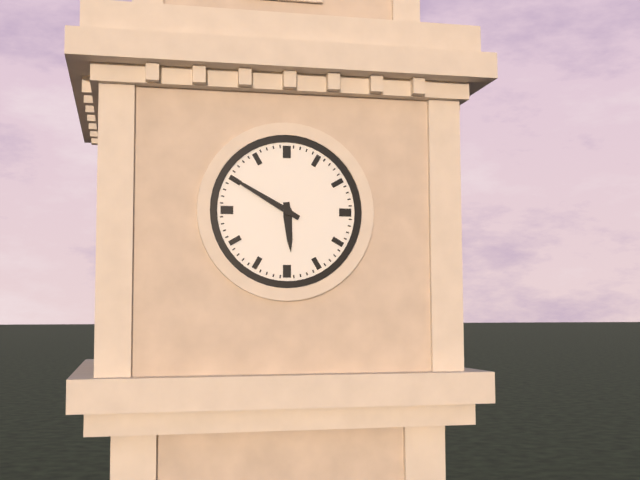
{"hour": 5, "minute": 50}
